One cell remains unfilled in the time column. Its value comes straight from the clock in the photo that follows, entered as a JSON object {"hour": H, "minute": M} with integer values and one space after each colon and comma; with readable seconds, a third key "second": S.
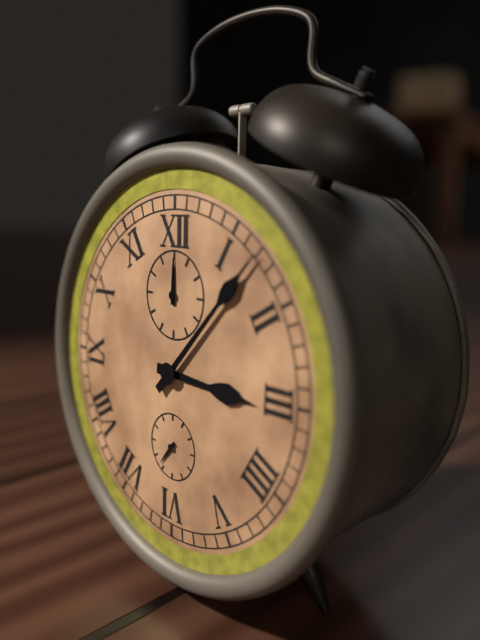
{"hour": 3, "minute": 7}
